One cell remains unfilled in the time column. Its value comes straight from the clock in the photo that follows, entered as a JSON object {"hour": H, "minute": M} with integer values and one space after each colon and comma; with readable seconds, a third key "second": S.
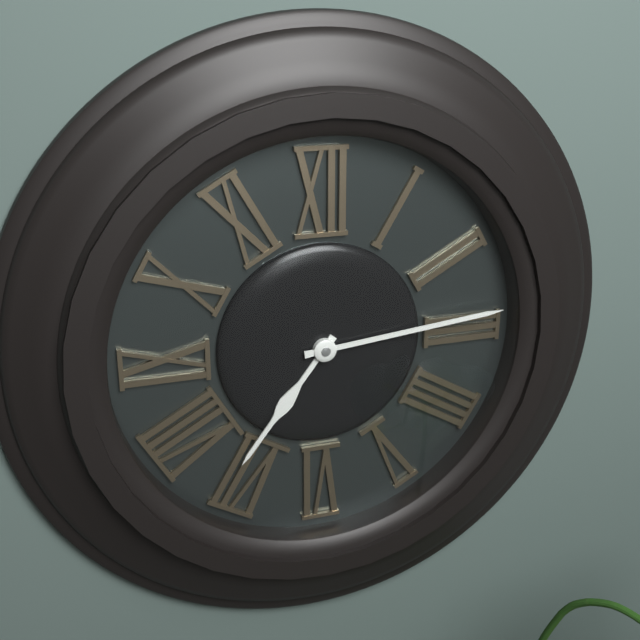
{"hour": 7, "minute": 14}
